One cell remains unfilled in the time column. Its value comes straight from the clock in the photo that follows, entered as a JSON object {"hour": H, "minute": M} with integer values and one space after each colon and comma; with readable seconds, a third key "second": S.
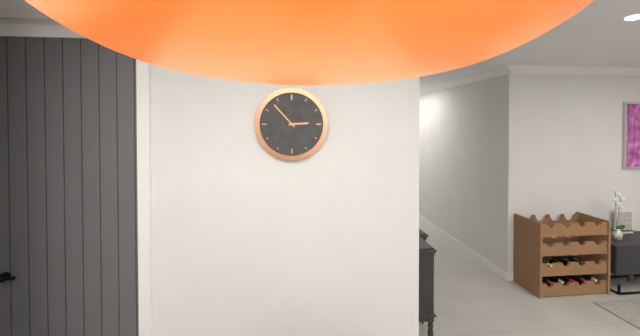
{"hour": 2, "minute": 53}
